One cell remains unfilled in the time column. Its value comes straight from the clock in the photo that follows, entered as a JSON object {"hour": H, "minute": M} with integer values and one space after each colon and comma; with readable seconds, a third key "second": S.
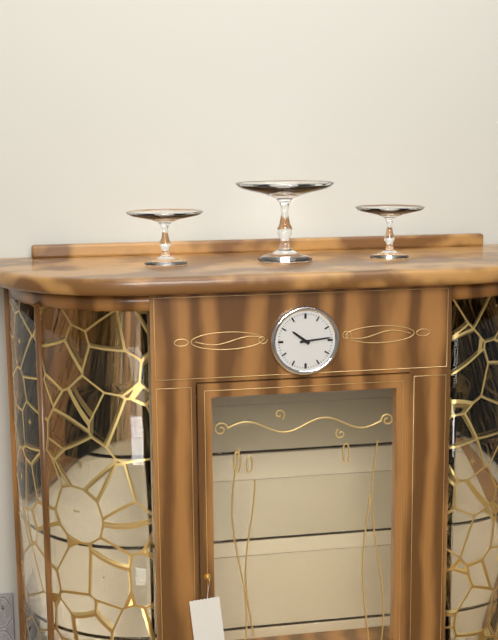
{"hour": 10, "minute": 14}
